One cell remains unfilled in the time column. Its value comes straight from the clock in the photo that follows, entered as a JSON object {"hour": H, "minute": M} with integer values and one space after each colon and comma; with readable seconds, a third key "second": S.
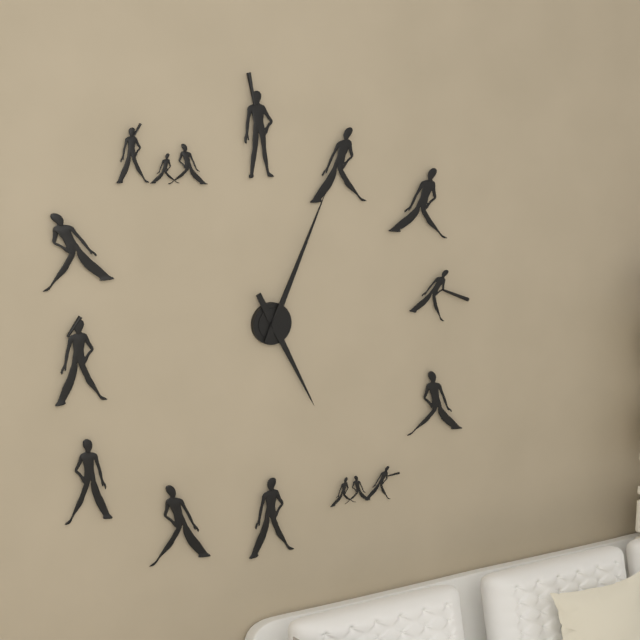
{"hour": 5, "minute": 4}
